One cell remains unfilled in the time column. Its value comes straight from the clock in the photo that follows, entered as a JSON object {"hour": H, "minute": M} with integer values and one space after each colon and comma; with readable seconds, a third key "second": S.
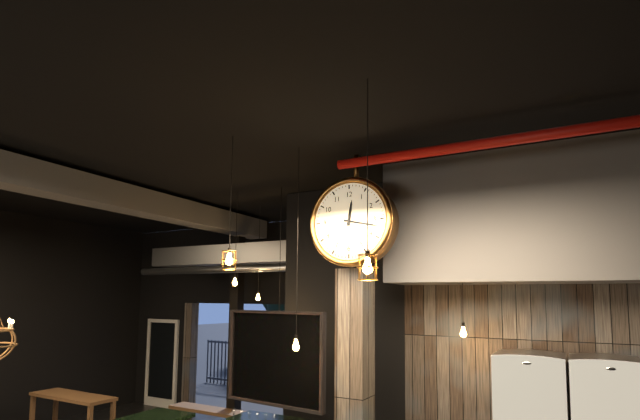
{"hour": 12, "minute": 17}
